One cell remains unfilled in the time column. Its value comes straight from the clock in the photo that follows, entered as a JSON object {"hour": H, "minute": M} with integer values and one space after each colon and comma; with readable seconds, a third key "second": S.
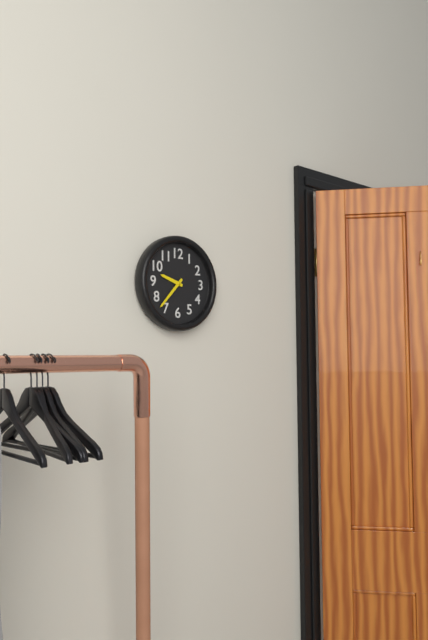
{"hour": 9, "minute": 37}
